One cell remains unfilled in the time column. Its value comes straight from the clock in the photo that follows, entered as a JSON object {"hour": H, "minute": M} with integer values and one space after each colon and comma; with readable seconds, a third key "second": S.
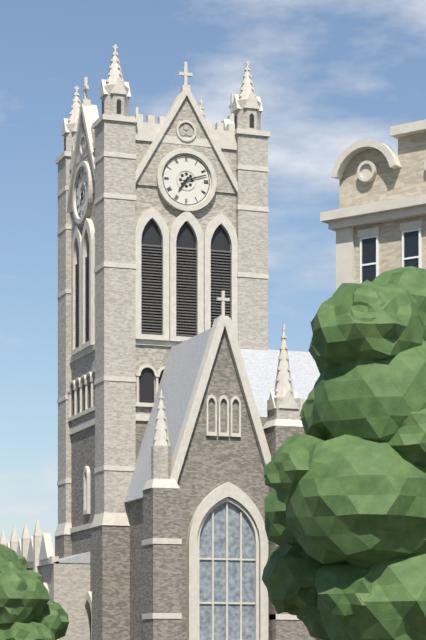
{"hour": 7, "minute": 12}
